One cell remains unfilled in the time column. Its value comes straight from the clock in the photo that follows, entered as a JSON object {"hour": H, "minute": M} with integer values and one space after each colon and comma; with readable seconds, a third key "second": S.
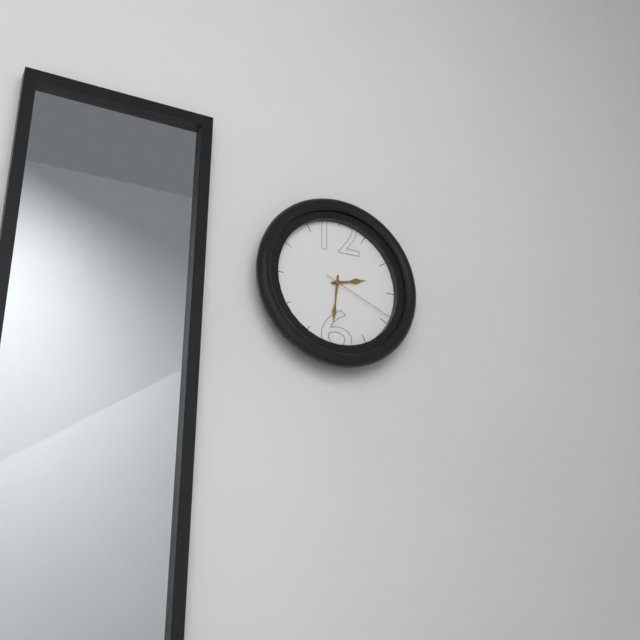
{"hour": 2, "minute": 31, "second": 19}
